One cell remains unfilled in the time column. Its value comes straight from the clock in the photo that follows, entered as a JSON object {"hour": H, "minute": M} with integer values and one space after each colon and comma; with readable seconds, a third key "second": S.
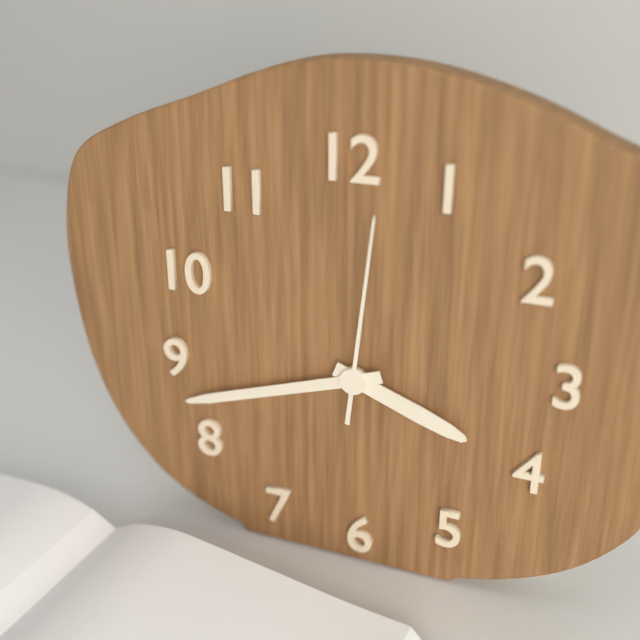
{"hour": 3, "minute": 42, "second": 1}
